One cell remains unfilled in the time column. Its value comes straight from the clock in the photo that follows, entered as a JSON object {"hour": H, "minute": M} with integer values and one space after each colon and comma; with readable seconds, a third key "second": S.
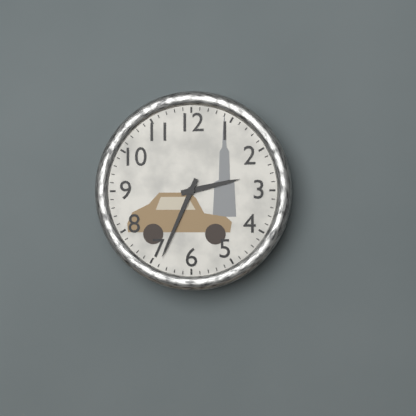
{"hour": 2, "minute": 34}
